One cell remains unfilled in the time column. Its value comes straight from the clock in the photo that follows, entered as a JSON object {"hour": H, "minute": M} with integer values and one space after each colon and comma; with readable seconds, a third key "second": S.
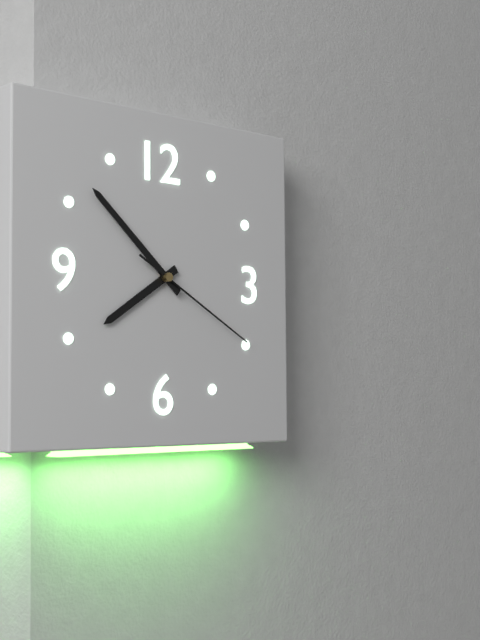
{"hour": 7, "minute": 52, "second": 20}
